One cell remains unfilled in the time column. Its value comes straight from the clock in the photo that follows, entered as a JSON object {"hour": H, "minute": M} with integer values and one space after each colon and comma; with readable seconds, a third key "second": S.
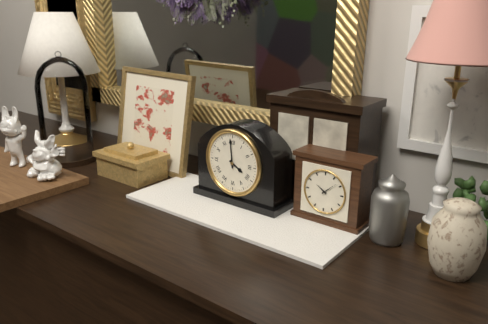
{"hour": 3, "minute": 59}
